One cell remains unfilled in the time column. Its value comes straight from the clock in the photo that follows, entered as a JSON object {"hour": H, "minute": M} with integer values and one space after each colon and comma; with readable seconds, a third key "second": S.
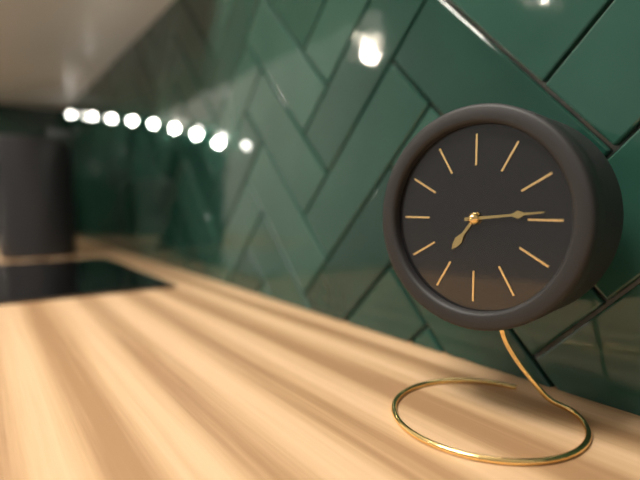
{"hour": 7, "minute": 14}
